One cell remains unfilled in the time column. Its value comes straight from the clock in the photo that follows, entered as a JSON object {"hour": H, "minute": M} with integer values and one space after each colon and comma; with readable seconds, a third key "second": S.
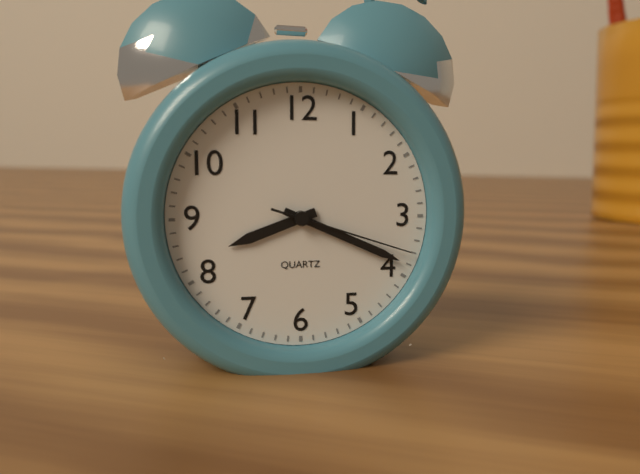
{"hour": 8, "minute": 19, "second": 18}
